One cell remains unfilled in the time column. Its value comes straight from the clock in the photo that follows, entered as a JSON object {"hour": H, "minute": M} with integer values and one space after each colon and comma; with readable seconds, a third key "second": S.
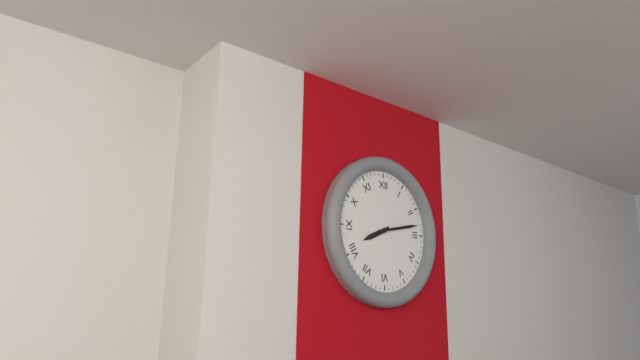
{"hour": 8, "minute": 13}
